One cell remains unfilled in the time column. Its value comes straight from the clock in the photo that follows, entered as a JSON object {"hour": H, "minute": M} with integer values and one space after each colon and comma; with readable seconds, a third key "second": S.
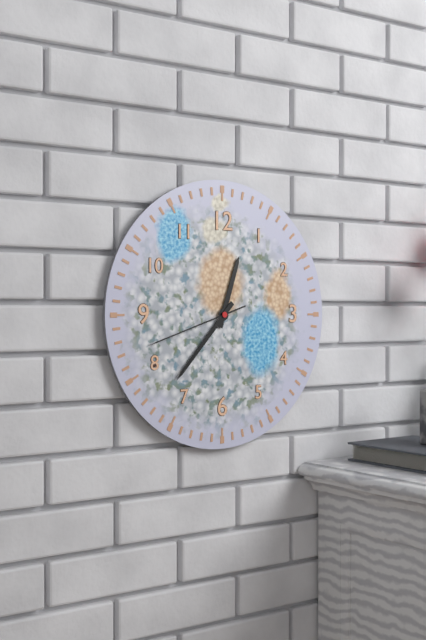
{"hour": 12, "minute": 37, "second": 42}
